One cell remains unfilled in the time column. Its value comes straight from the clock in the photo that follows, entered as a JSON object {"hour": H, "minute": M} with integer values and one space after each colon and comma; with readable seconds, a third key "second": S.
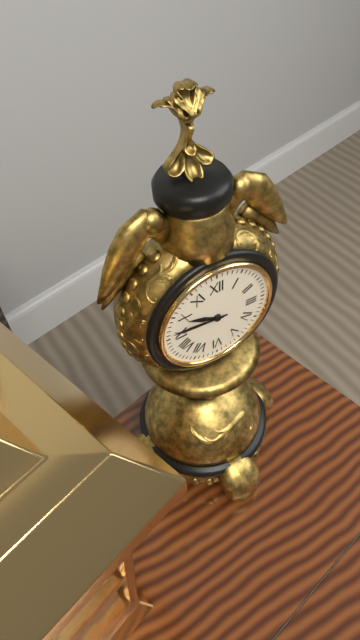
{"hour": 9, "minute": 46}
